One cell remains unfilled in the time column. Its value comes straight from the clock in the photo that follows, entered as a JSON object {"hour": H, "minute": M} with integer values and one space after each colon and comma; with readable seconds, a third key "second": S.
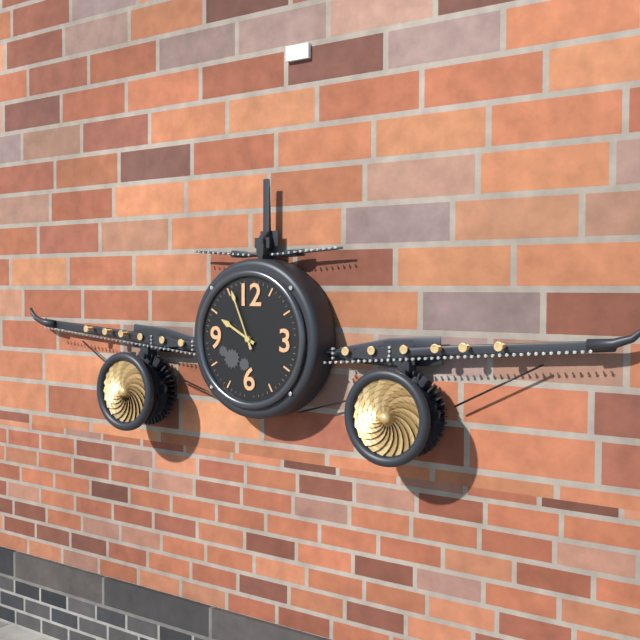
{"hour": 9, "minute": 56}
